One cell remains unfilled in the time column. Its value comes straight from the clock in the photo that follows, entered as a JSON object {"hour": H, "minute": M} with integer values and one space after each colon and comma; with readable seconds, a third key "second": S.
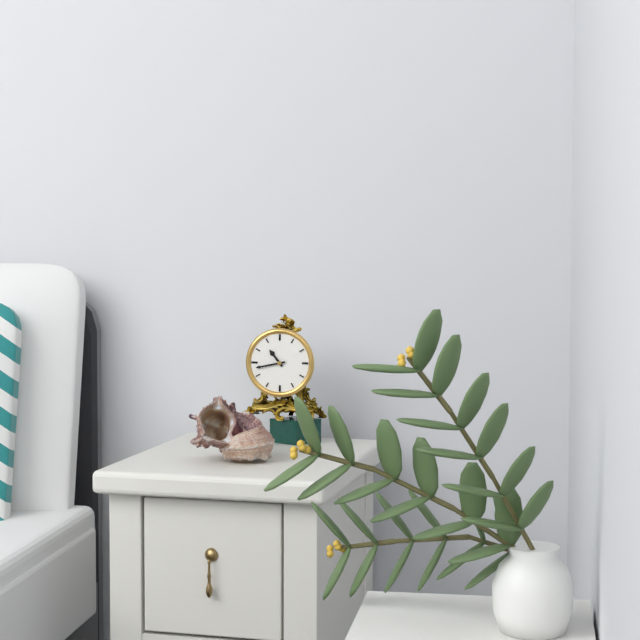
{"hour": 10, "minute": 43}
